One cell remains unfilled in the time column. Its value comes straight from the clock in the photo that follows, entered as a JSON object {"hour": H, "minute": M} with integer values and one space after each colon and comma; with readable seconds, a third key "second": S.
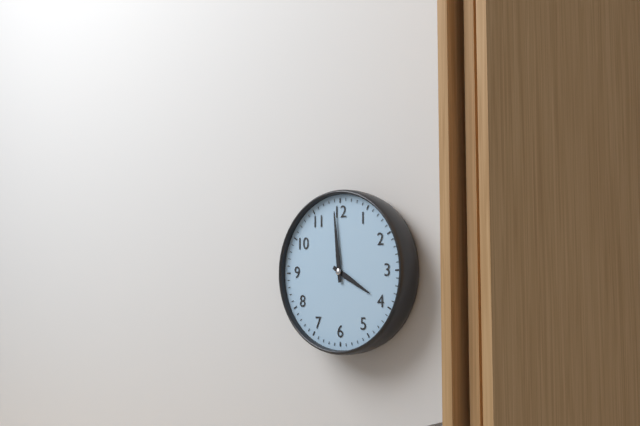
{"hour": 3, "minute": 59}
